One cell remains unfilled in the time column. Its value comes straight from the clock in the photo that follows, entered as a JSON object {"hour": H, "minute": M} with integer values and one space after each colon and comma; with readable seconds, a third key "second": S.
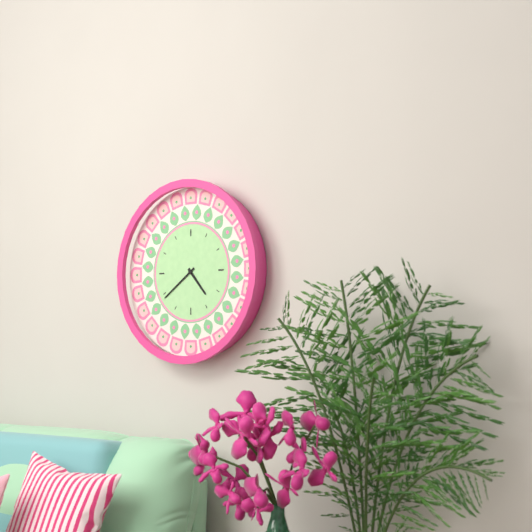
{"hour": 4, "minute": 39}
